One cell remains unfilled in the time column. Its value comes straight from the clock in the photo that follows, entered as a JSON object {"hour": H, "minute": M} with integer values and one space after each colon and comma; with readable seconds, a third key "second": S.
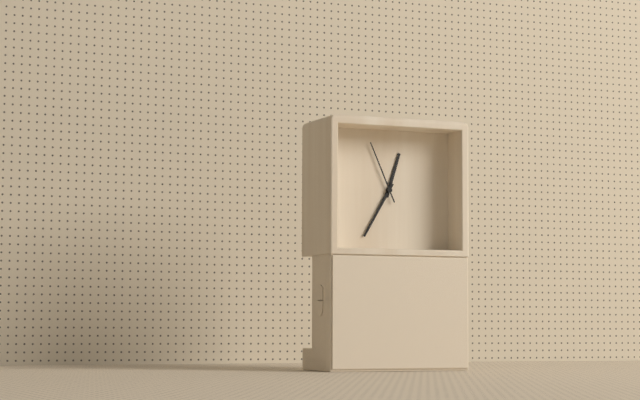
{"hour": 12, "minute": 35, "second": 56}
